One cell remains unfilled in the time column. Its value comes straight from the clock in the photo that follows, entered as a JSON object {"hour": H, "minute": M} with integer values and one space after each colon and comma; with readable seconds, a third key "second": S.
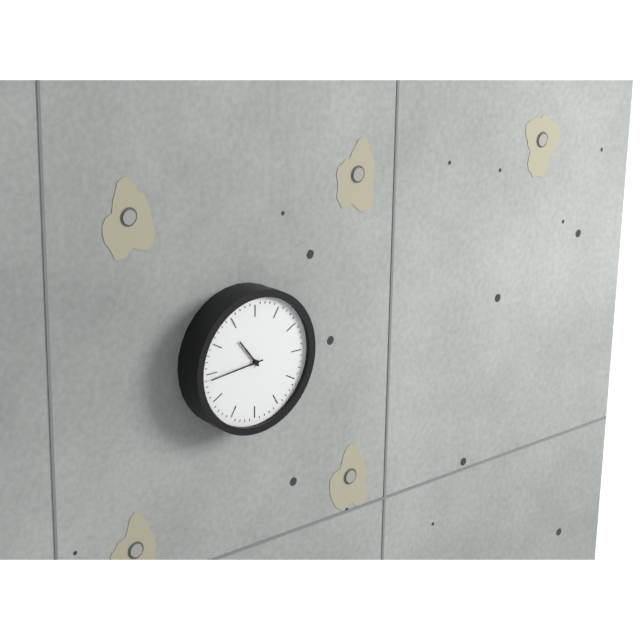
{"hour": 10, "minute": 44}
